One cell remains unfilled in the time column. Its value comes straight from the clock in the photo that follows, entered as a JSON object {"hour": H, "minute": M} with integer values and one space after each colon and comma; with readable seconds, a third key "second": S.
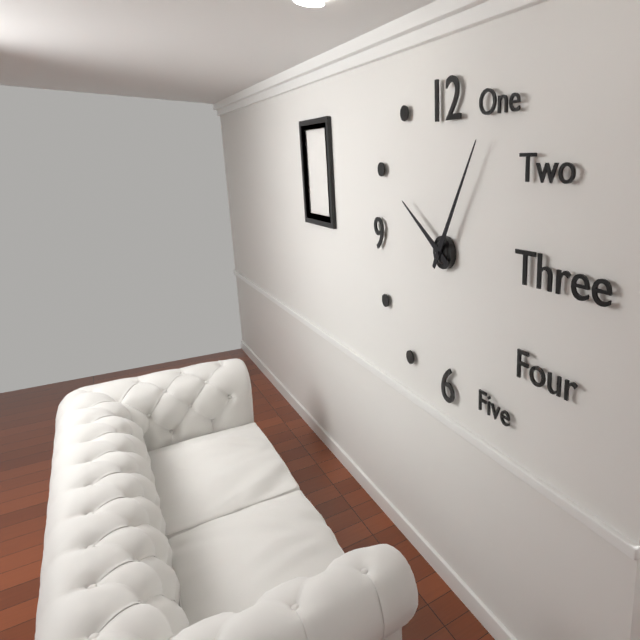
{"hour": 10, "minute": 5}
